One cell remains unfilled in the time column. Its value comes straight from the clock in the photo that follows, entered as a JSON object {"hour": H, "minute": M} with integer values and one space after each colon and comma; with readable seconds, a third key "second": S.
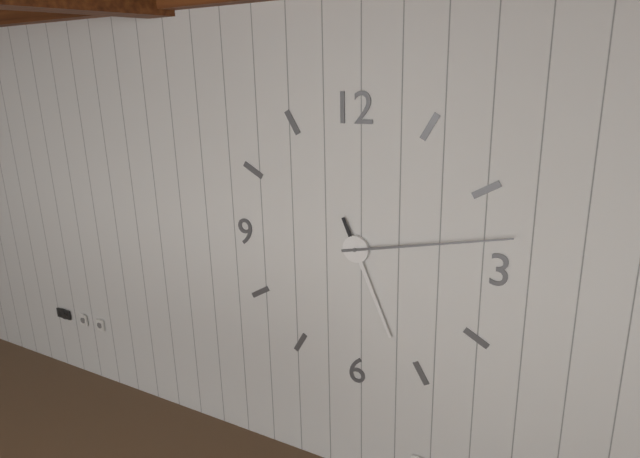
{"hour": 5, "minute": 13}
